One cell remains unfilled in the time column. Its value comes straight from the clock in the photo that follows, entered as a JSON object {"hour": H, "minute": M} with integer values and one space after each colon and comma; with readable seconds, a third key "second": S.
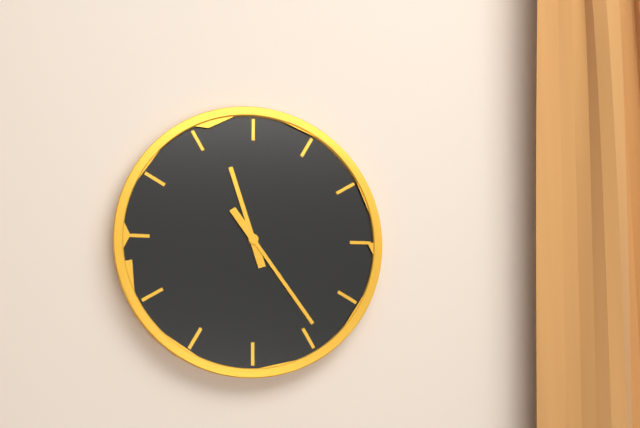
{"hour": 11, "minute": 24}
